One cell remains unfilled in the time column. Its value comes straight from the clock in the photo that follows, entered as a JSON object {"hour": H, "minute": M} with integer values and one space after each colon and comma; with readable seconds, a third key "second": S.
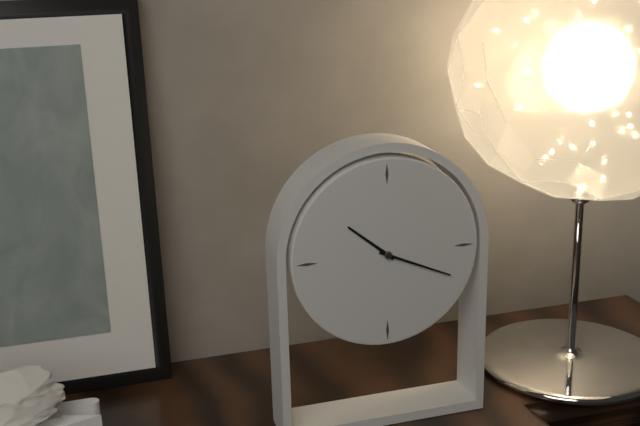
{"hour": 10, "minute": 19}
